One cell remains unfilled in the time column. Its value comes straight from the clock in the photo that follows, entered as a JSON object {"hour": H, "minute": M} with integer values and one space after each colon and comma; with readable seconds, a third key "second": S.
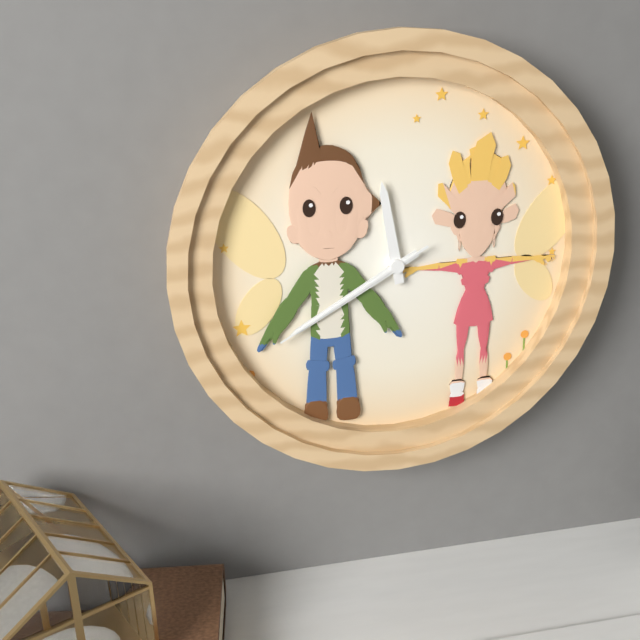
{"hour": 11, "minute": 40, "second": 40}
